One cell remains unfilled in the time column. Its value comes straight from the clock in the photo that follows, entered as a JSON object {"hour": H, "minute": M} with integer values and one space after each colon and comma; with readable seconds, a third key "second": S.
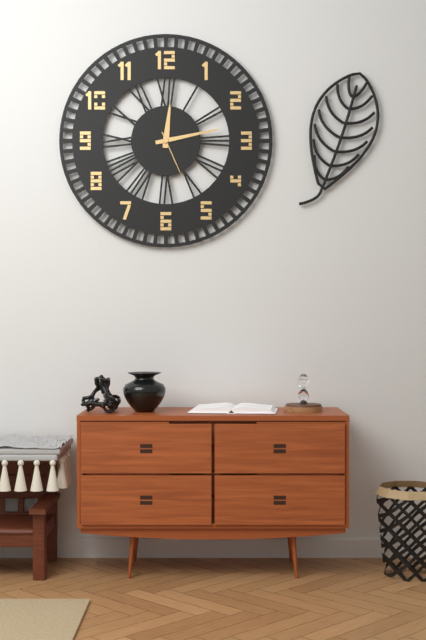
{"hour": 12, "minute": 13, "second": 26}
